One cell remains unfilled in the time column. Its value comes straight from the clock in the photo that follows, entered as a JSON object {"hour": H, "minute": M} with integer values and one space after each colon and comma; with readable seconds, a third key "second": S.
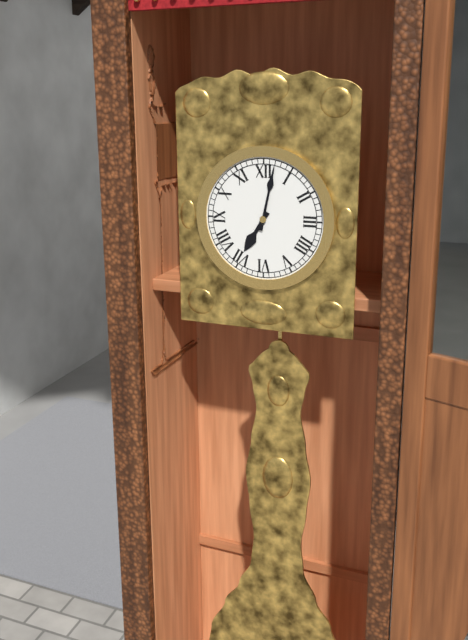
{"hour": 7, "minute": 2}
